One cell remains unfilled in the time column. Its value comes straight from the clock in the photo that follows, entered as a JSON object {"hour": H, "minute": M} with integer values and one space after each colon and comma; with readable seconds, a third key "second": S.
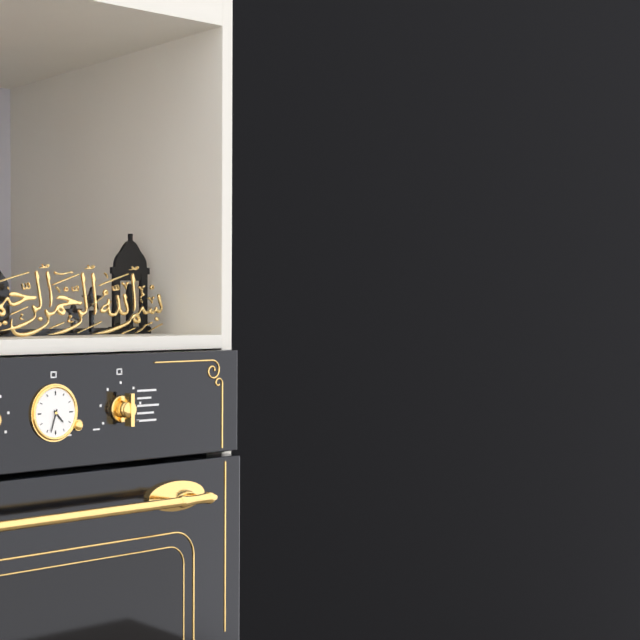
{"hour": 4, "minute": 33}
